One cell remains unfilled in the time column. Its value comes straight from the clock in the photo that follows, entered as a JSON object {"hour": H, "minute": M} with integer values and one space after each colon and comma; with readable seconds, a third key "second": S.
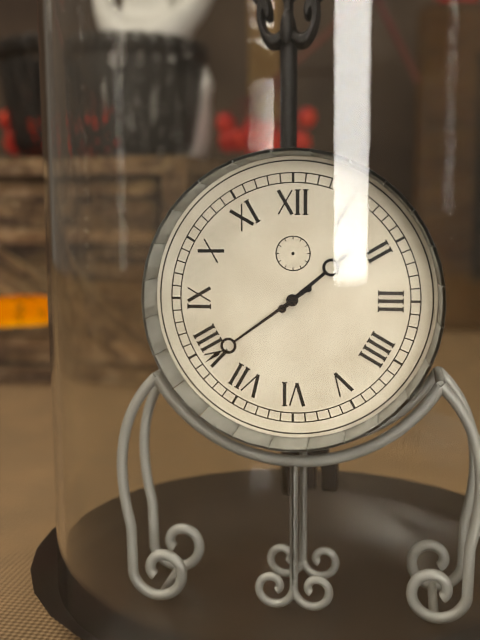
{"hour": 1, "minute": 39}
